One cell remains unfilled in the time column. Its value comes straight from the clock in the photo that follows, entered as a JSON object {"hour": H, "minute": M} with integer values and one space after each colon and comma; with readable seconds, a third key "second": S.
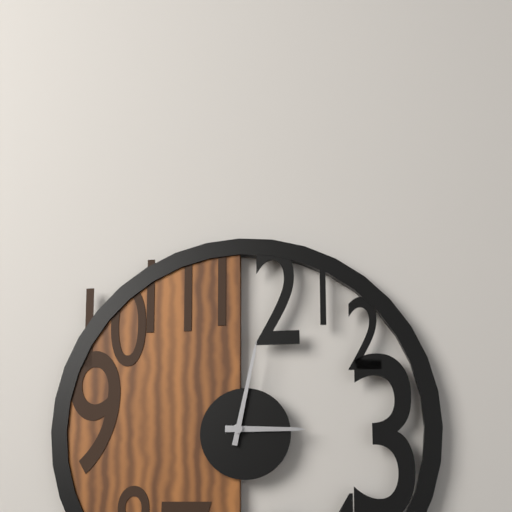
{"hour": 3, "minute": 2}
